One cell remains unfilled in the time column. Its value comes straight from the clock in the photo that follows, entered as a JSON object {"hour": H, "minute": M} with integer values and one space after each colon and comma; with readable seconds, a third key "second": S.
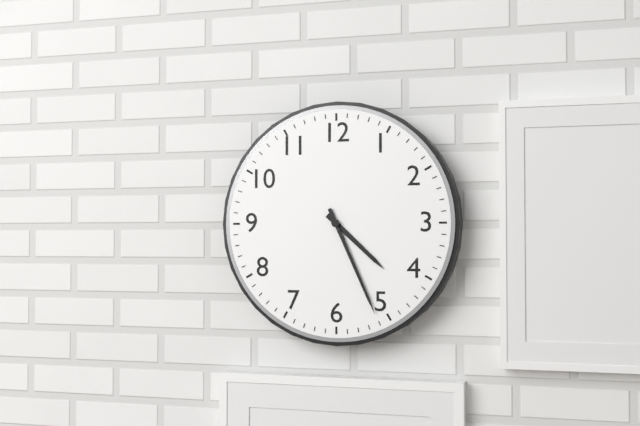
{"hour": 4, "minute": 26}
